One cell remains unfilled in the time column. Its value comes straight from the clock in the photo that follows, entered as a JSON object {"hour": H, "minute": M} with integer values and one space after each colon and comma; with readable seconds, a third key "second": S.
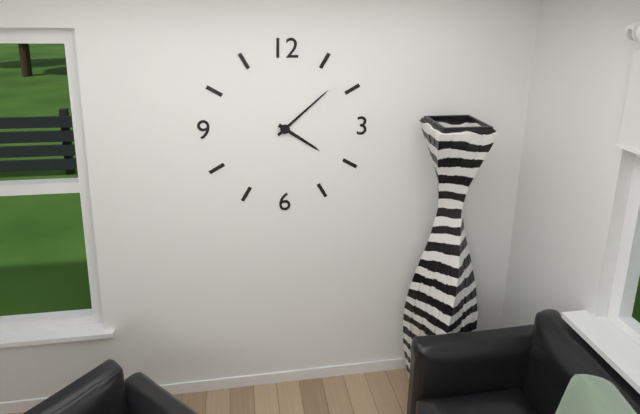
{"hour": 4, "minute": 8}
